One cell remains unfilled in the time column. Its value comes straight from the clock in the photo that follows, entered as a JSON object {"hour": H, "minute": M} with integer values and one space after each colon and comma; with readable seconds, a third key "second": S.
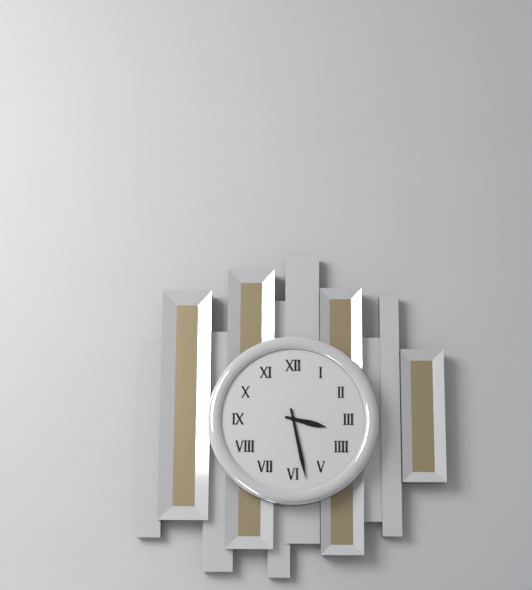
{"hour": 3, "minute": 28}
